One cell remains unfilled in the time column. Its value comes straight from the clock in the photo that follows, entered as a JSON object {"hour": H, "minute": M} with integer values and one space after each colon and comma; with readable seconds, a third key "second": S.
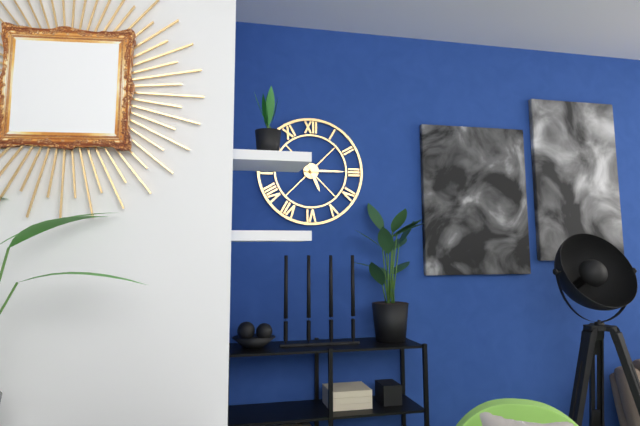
{"hour": 5, "minute": 15}
